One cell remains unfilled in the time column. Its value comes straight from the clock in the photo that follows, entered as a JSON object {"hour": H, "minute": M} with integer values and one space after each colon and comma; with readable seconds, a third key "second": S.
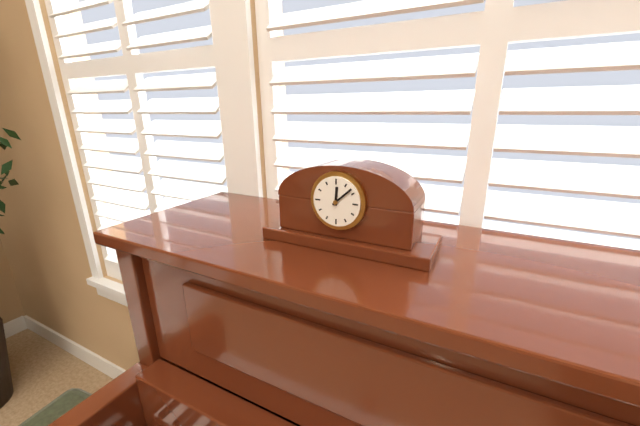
{"hour": 12, "minute": 8}
